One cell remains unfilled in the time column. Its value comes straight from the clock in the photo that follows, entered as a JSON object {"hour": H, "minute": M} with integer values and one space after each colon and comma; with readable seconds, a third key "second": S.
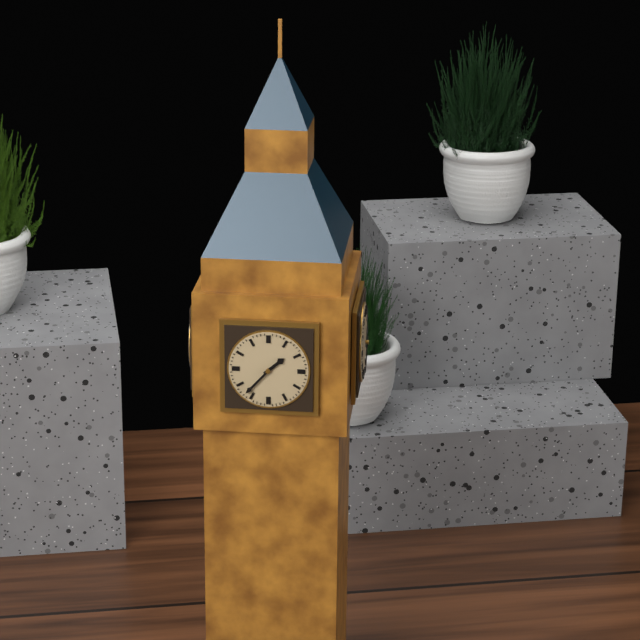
{"hour": 1, "minute": 37}
